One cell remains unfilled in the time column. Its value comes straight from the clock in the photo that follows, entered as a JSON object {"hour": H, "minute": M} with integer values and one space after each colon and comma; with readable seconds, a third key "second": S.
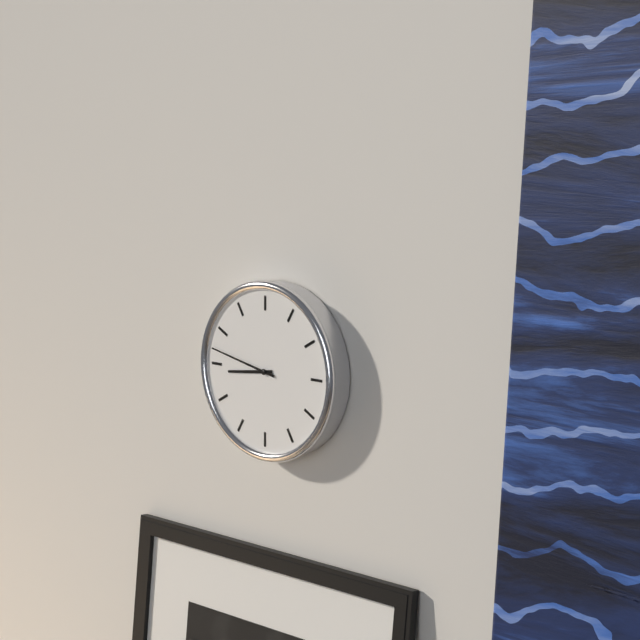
{"hour": 8, "minute": 47}
